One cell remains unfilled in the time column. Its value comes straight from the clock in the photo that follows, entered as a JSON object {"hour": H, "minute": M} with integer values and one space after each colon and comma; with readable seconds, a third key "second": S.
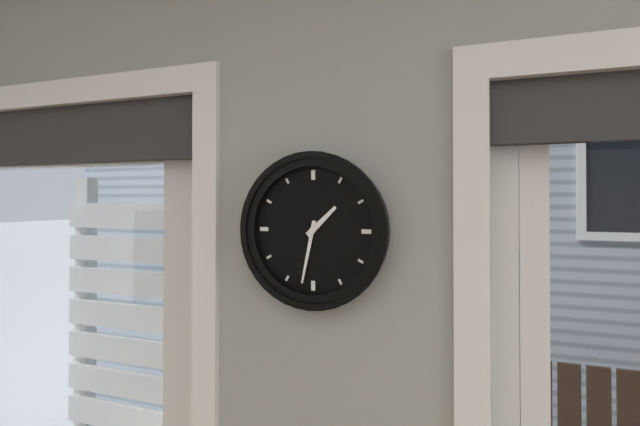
{"hour": 1, "minute": 32}
